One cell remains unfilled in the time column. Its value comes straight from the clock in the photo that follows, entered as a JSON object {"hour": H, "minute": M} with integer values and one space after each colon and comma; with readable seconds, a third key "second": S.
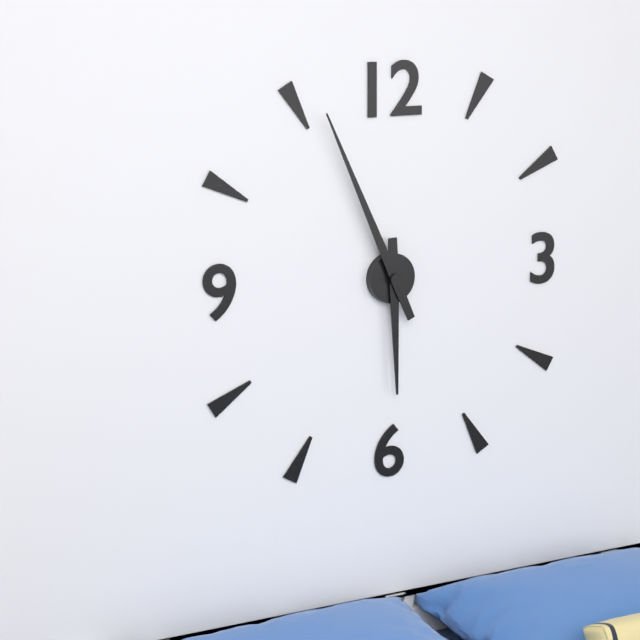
{"hour": 5, "minute": 56}
